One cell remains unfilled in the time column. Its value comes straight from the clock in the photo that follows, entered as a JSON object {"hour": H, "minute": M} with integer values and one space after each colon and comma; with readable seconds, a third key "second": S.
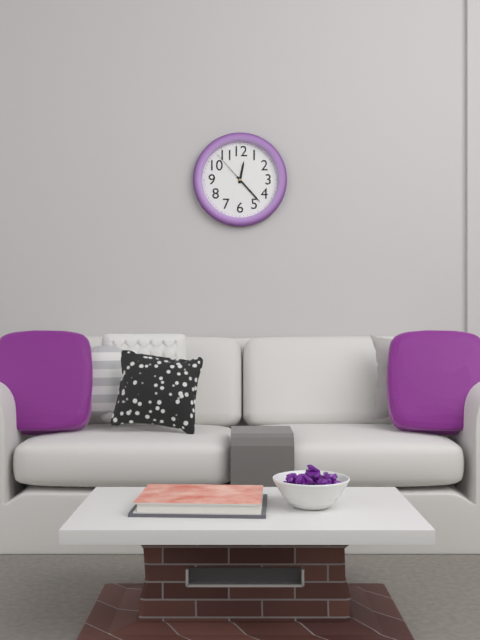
{"hour": 12, "minute": 23}
